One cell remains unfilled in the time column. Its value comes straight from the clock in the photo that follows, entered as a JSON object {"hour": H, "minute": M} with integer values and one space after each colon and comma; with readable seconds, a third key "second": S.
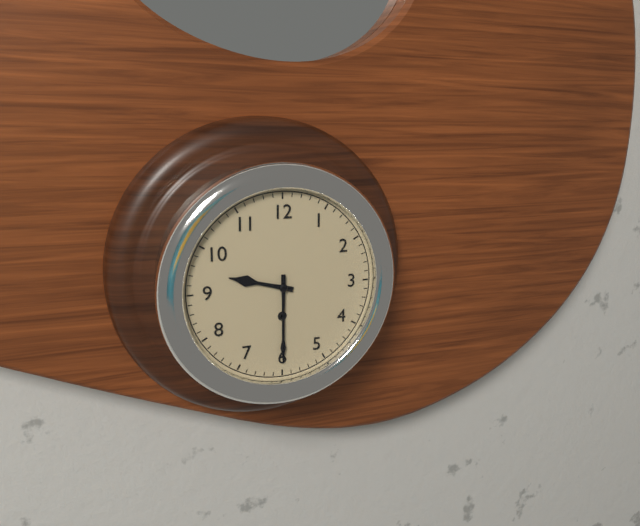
{"hour": 9, "minute": 30}
